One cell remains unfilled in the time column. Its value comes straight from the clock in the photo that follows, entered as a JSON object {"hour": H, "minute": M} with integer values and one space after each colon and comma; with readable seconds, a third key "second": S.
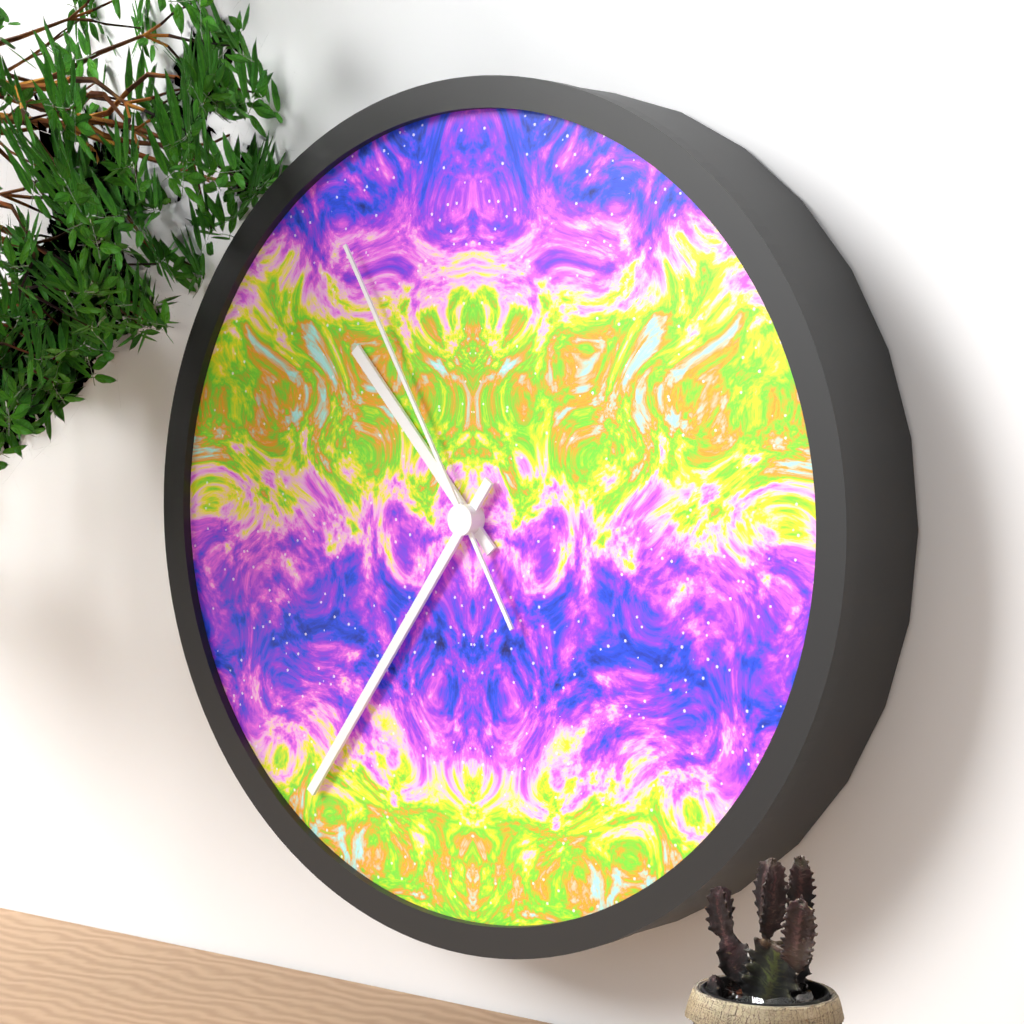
{"hour": 10, "minute": 36, "second": 55}
